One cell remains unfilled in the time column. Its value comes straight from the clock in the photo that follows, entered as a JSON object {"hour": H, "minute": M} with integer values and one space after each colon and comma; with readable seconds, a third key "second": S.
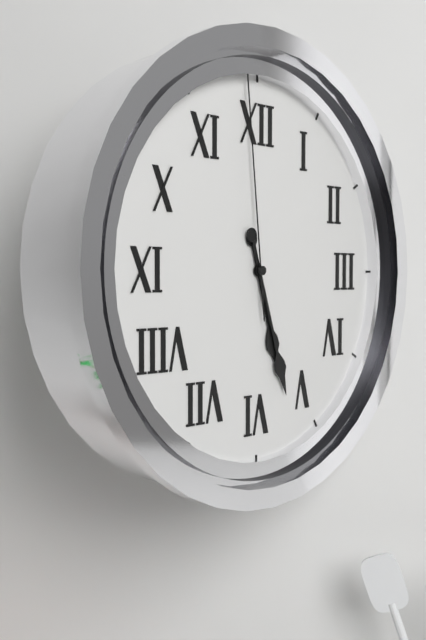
{"hour": 5, "minute": 27, "second": 59}
